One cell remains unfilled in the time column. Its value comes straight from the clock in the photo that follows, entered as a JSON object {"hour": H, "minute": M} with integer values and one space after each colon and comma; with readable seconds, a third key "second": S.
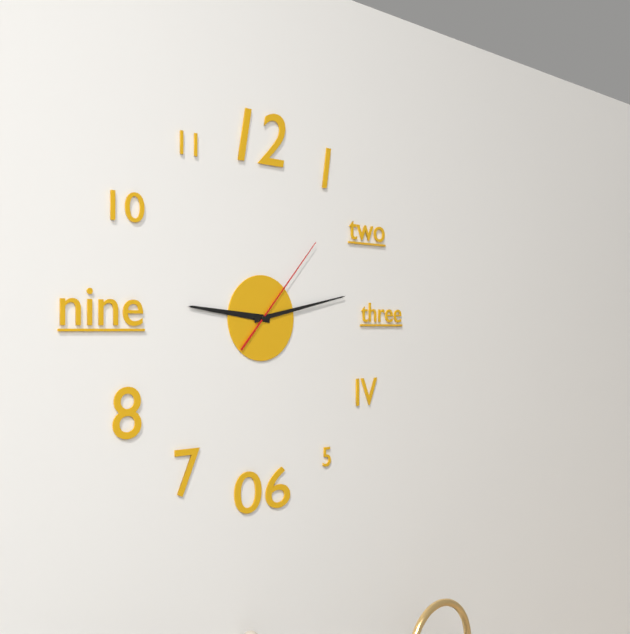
{"hour": 9, "minute": 13, "second": 7}
